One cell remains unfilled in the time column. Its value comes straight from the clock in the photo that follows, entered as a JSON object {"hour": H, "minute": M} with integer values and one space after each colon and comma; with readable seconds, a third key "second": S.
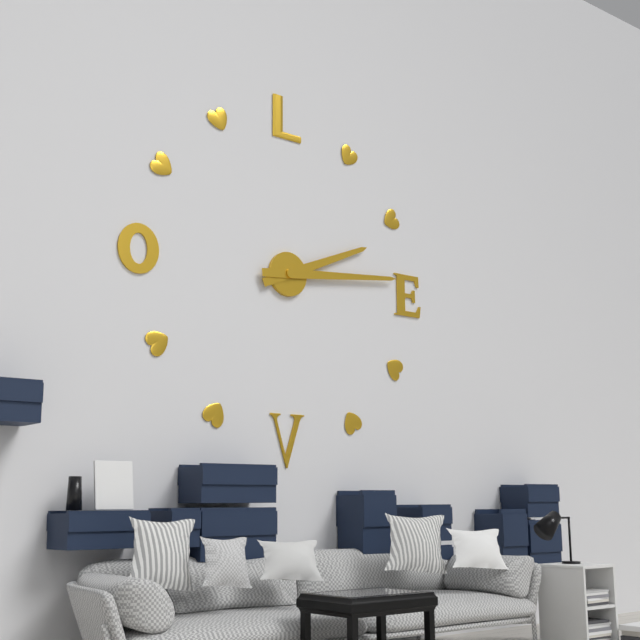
{"hour": 2, "minute": 14}
